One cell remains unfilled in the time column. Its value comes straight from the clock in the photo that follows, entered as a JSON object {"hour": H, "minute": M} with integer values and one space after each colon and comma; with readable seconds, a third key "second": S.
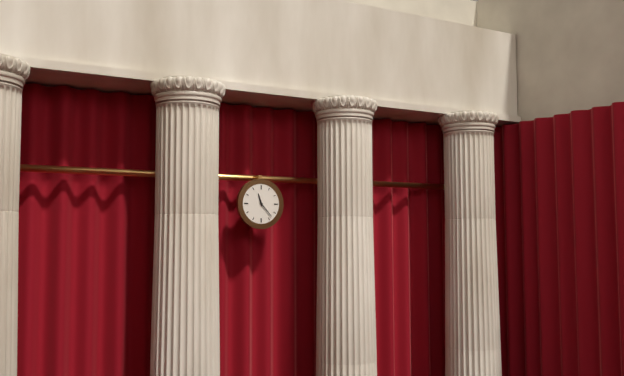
{"hour": 11, "minute": 23}
